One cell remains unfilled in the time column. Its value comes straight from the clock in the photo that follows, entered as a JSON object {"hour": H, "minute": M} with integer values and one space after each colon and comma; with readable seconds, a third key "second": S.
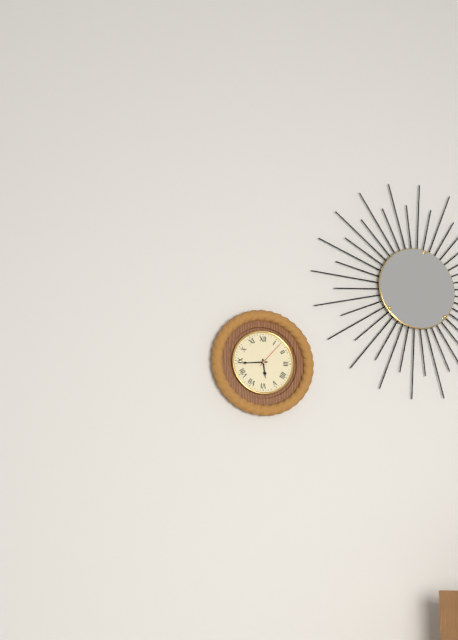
{"hour": 5, "minute": 44}
